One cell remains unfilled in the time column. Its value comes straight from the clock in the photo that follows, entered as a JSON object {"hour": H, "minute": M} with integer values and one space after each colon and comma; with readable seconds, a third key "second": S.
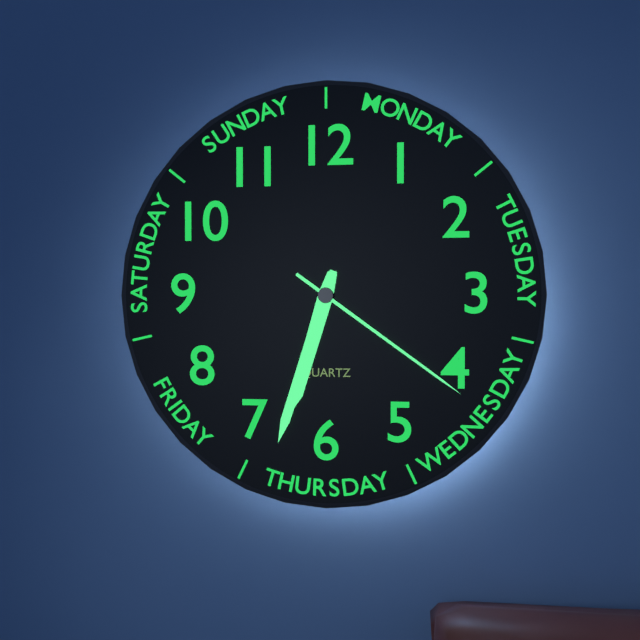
{"hour": 6, "minute": 33, "second": 21}
